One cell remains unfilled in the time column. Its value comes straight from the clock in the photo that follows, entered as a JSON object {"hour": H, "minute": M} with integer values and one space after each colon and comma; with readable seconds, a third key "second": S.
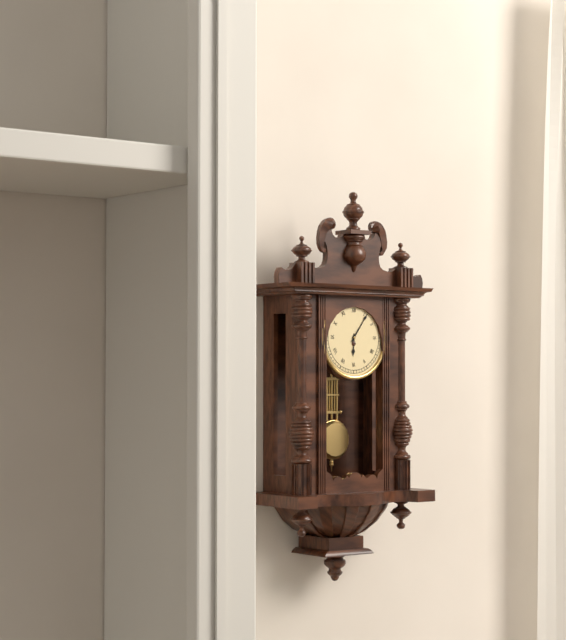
{"hour": 6, "minute": 6}
